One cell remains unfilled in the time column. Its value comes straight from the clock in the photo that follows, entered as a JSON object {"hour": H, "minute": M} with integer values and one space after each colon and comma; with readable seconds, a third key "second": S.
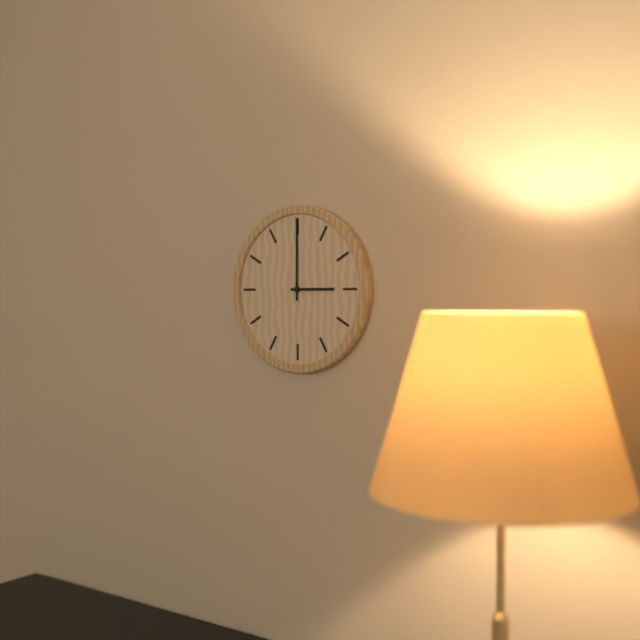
{"hour": 3, "minute": 0}
